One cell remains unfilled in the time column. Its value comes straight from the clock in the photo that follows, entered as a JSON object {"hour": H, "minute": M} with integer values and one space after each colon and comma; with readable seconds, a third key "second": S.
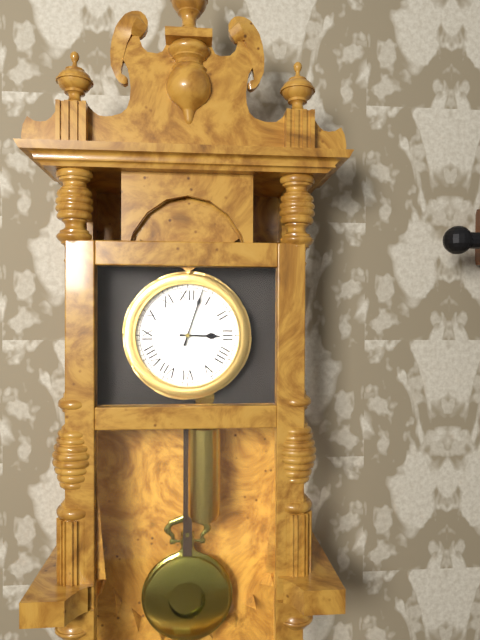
{"hour": 3, "minute": 3}
